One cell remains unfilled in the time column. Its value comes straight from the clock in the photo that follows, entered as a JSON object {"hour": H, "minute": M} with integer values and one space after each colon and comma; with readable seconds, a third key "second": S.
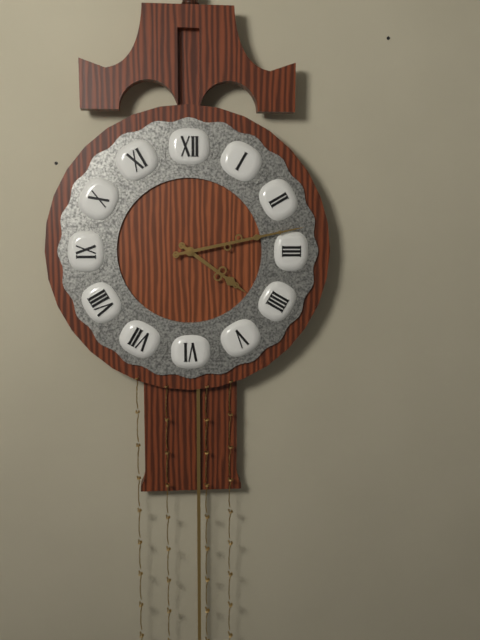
{"hour": 4, "minute": 13}
